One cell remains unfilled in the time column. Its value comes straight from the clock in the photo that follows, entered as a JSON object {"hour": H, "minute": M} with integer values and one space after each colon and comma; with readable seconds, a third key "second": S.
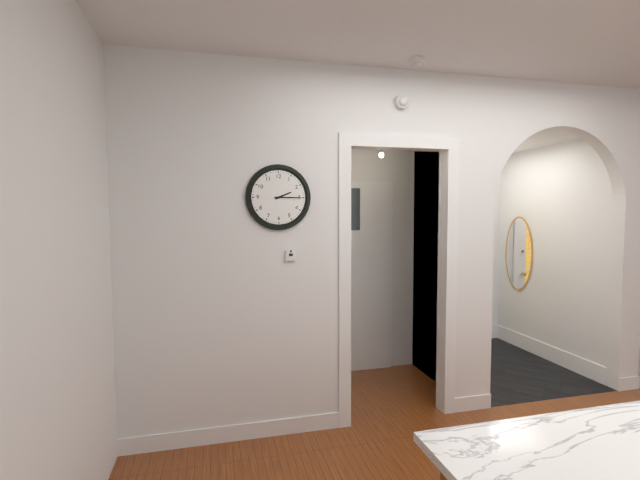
{"hour": 2, "minute": 15}
